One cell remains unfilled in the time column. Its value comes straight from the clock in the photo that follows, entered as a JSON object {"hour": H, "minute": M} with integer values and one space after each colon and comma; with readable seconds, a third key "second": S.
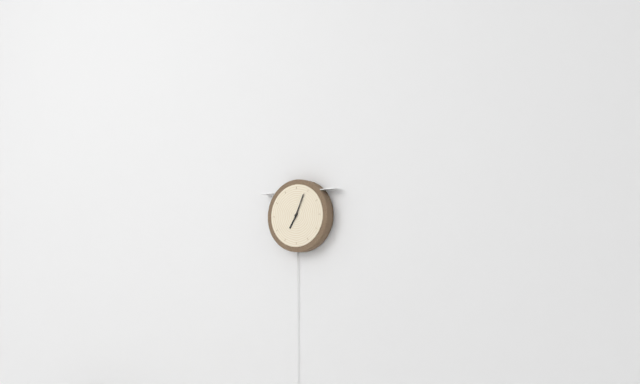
{"hour": 7, "minute": 4}
